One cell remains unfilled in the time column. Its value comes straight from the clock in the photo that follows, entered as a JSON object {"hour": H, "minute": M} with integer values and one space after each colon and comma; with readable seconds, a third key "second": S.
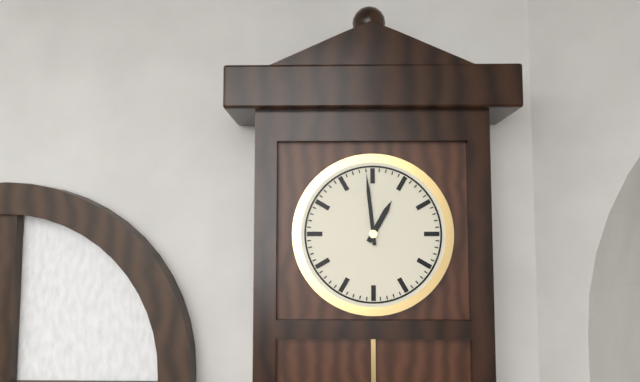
{"hour": 12, "minute": 59}
